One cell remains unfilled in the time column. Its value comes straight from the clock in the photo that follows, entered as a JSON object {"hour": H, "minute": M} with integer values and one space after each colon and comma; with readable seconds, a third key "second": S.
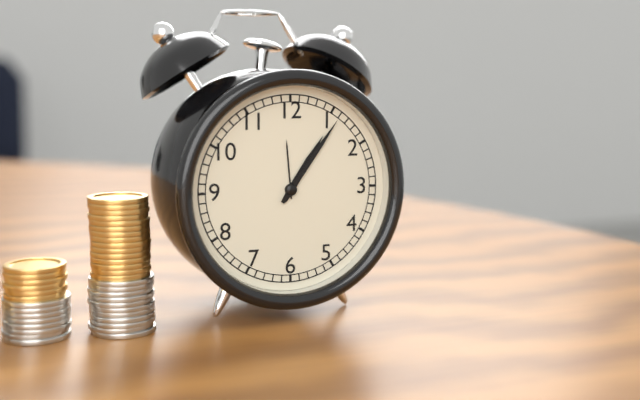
{"hour": 1, "minute": 6}
